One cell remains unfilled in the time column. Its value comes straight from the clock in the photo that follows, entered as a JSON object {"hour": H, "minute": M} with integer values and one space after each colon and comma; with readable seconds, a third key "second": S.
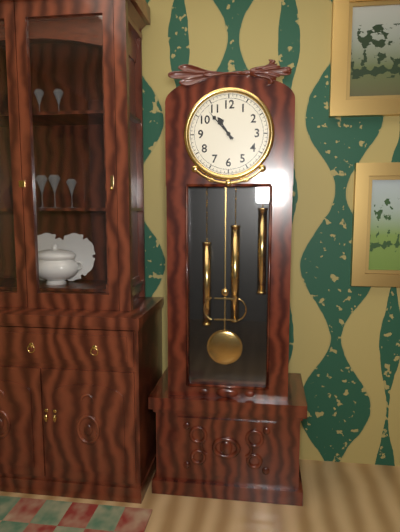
{"hour": 10, "minute": 53}
